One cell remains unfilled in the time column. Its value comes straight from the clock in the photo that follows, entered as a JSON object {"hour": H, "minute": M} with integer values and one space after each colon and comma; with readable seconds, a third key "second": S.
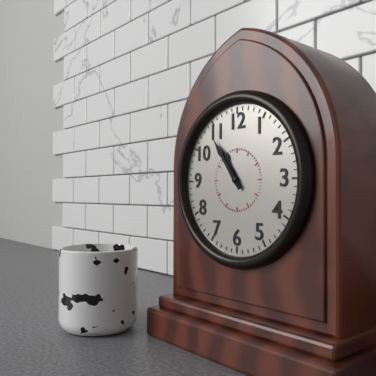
{"hour": 10, "minute": 54}
